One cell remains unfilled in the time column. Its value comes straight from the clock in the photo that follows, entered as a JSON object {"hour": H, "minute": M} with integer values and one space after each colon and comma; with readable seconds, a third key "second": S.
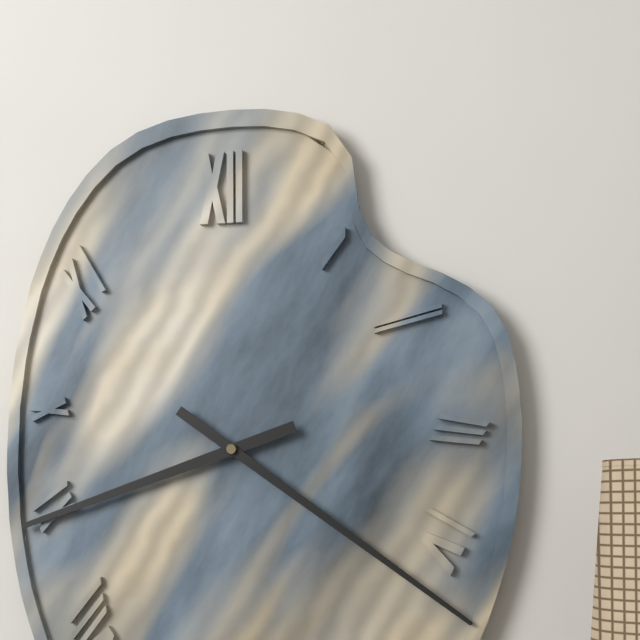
{"hour": 8, "minute": 21}
